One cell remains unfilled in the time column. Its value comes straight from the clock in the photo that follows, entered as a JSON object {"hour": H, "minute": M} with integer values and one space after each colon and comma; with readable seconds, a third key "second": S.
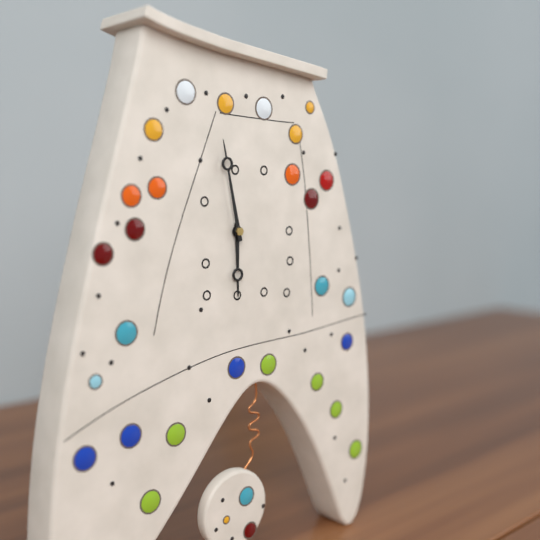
{"hour": 5, "minute": 58}
